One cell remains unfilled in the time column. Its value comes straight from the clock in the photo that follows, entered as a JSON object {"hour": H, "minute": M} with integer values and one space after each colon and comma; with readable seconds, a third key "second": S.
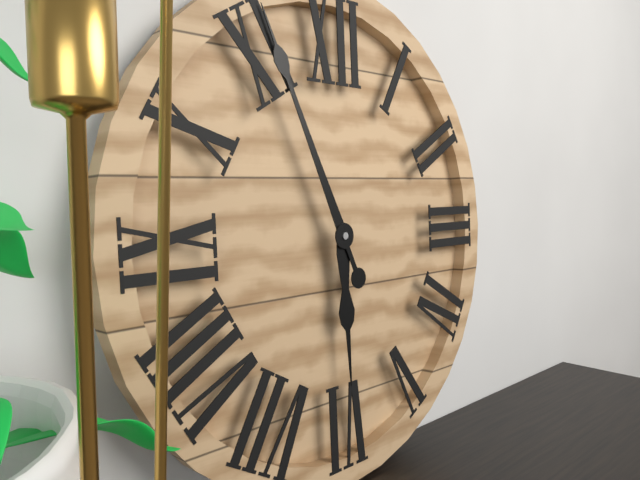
{"hour": 5, "minute": 56}
